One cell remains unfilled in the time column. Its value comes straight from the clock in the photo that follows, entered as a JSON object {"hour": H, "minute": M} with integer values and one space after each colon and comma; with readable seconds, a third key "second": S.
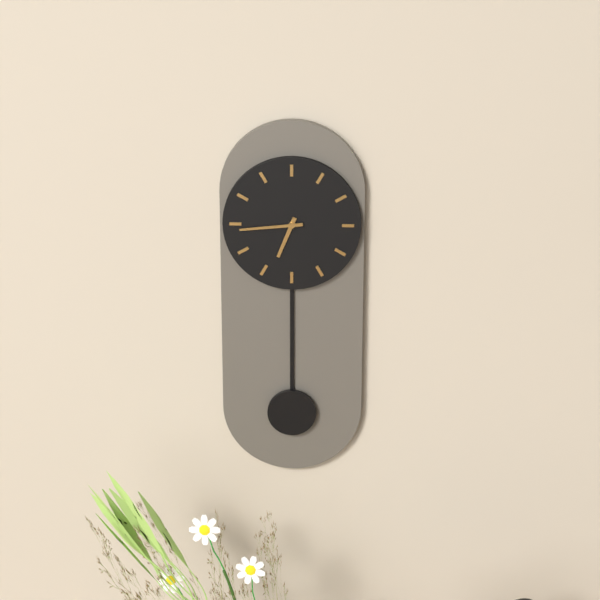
{"hour": 6, "minute": 44}
